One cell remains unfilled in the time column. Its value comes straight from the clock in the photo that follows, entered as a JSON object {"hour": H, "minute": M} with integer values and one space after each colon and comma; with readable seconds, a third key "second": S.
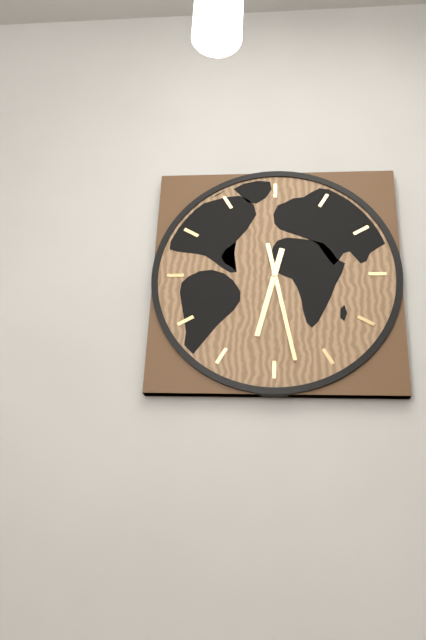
{"hour": 6, "minute": 28}
